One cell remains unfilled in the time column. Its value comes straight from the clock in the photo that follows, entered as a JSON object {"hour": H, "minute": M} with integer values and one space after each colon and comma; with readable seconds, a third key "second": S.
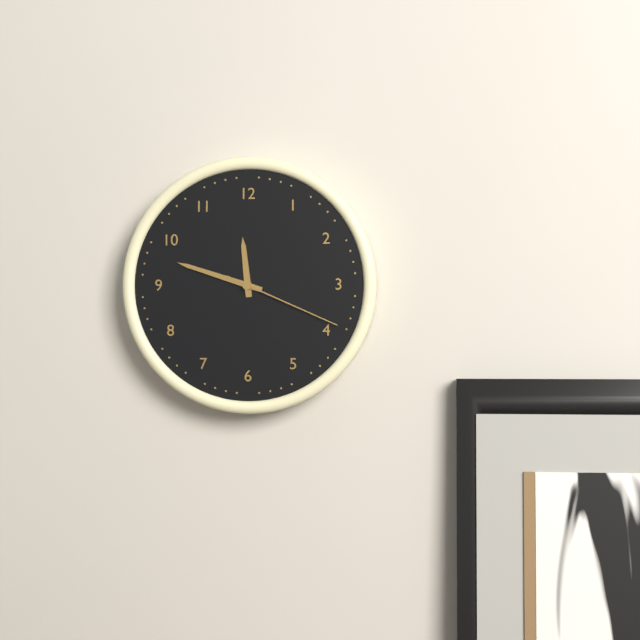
{"hour": 11, "minute": 48, "second": 19}
